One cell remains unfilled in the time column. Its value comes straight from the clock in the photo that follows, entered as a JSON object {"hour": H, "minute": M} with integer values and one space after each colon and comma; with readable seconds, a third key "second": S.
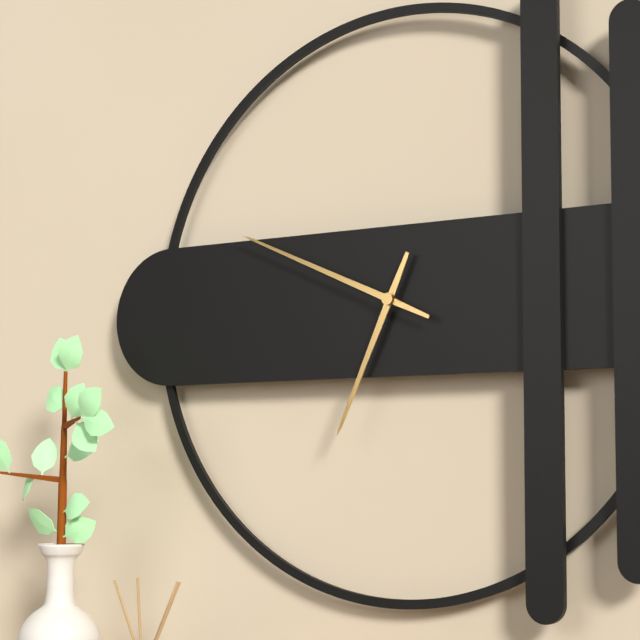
{"hour": 6, "minute": 49}
